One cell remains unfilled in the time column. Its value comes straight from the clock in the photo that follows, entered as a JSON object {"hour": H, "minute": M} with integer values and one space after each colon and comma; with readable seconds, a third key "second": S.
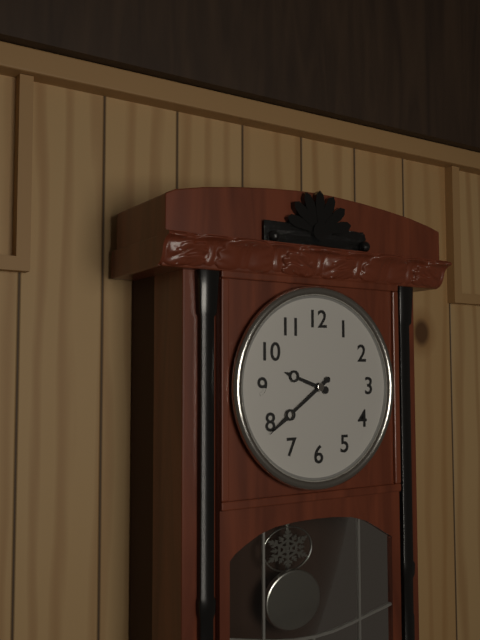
{"hour": 9, "minute": 39}
